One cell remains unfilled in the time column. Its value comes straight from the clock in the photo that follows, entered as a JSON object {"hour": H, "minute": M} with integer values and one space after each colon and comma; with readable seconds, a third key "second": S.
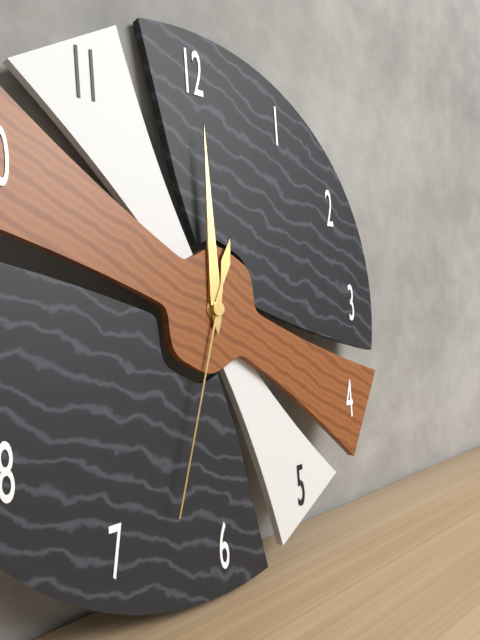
{"hour": 12, "minute": 0, "second": 33}
